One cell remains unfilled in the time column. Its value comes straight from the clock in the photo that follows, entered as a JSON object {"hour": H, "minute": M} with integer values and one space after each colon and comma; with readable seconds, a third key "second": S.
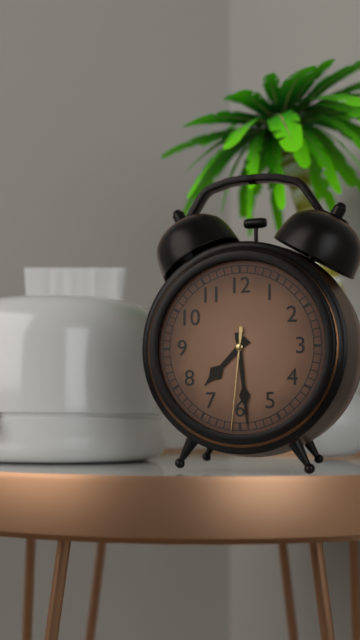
{"hour": 7, "minute": 29, "second": 31}
